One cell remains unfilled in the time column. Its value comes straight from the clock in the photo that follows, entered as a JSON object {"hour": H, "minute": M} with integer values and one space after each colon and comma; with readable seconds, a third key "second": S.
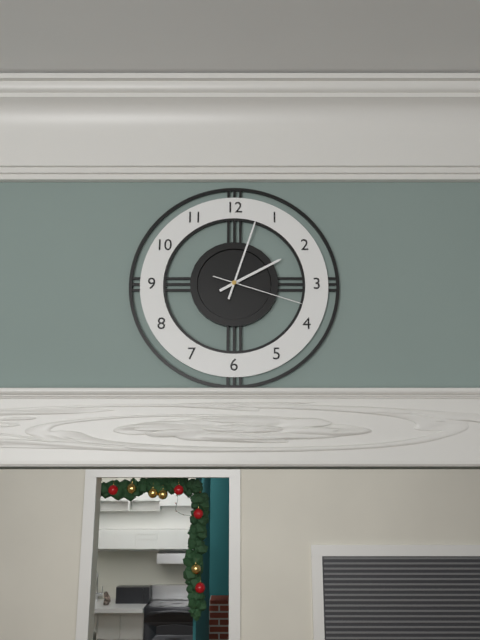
{"hour": 2, "minute": 3, "second": 18}
